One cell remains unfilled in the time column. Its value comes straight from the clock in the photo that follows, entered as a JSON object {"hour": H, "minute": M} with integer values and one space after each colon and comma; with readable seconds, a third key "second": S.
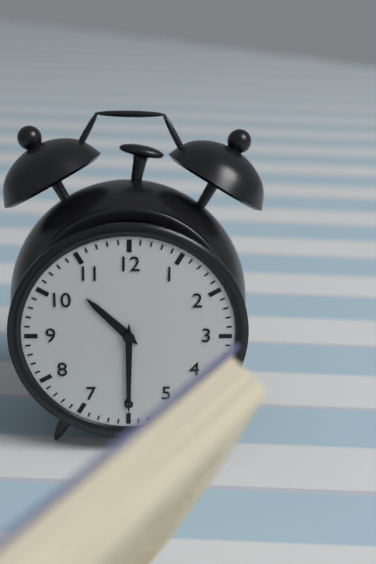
{"hour": 10, "minute": 30}
